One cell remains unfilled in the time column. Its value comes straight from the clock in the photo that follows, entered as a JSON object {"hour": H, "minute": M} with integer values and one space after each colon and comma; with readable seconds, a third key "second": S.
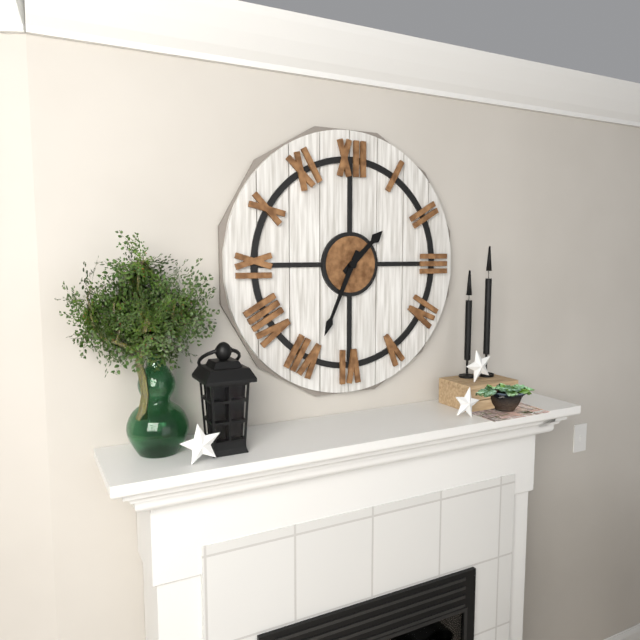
{"hour": 1, "minute": 34}
